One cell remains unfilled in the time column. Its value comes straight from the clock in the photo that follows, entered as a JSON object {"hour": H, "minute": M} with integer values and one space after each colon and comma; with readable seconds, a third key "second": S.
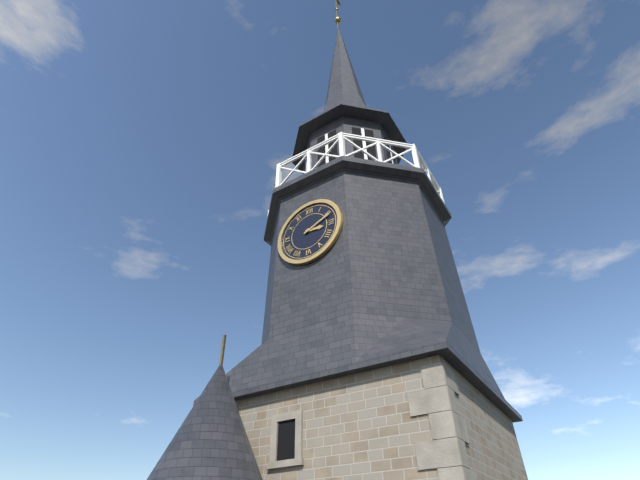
{"hour": 3, "minute": 11}
